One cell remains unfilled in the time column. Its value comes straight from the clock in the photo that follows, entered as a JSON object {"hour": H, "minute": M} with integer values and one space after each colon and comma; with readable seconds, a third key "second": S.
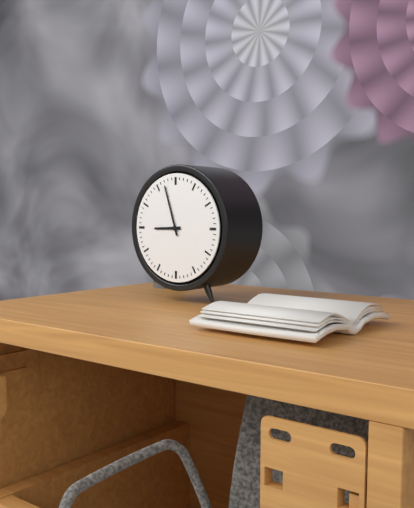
{"hour": 8, "minute": 57}
